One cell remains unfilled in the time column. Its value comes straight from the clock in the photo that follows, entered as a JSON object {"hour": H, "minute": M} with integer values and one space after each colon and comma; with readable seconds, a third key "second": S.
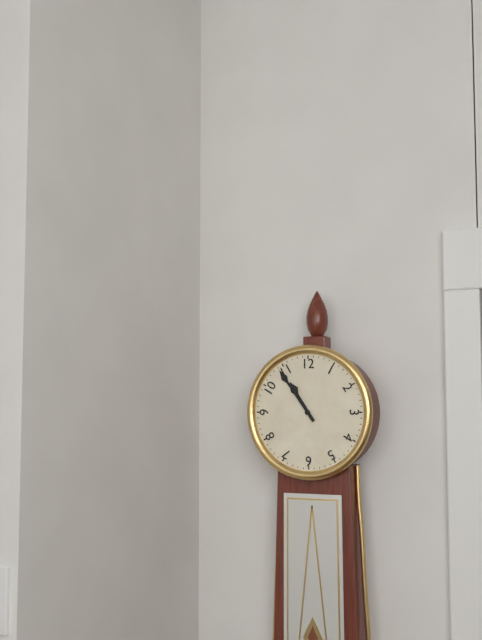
{"hour": 10, "minute": 54}
